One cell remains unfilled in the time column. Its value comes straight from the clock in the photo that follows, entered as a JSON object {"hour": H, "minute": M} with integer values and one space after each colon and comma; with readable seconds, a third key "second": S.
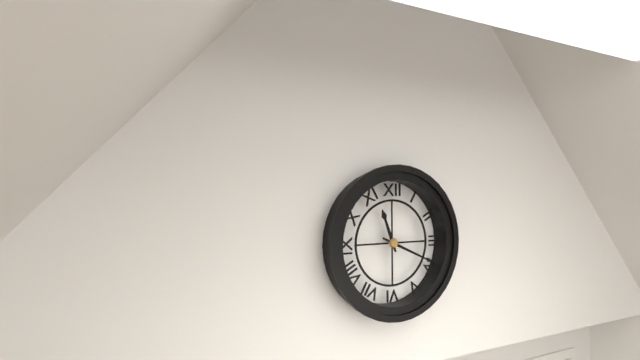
{"hour": 11, "minute": 19}
